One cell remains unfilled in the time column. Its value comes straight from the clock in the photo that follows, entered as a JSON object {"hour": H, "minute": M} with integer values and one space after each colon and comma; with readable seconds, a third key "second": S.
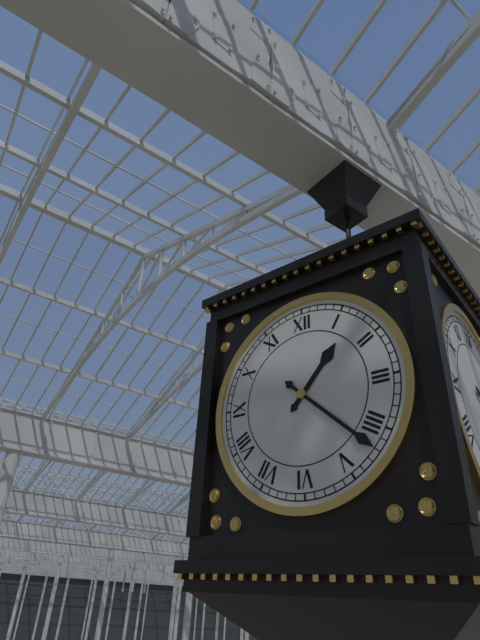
{"hour": 1, "minute": 22}
